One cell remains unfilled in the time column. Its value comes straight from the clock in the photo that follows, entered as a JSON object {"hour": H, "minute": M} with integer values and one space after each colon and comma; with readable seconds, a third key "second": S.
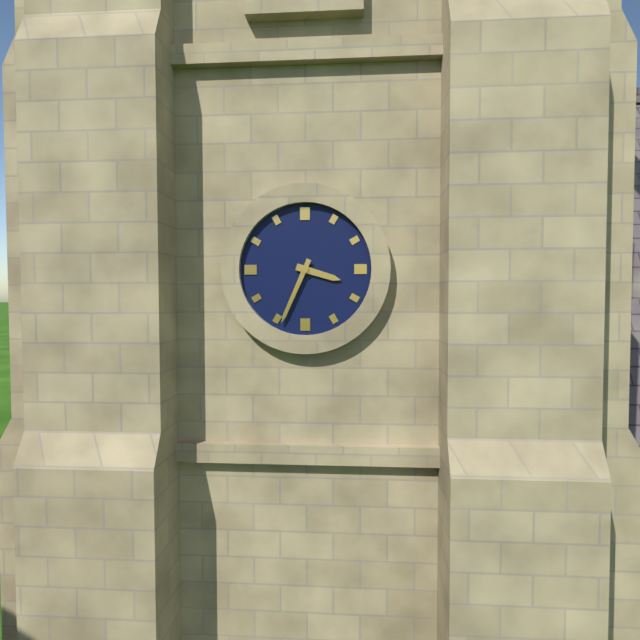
{"hour": 3, "minute": 34}
